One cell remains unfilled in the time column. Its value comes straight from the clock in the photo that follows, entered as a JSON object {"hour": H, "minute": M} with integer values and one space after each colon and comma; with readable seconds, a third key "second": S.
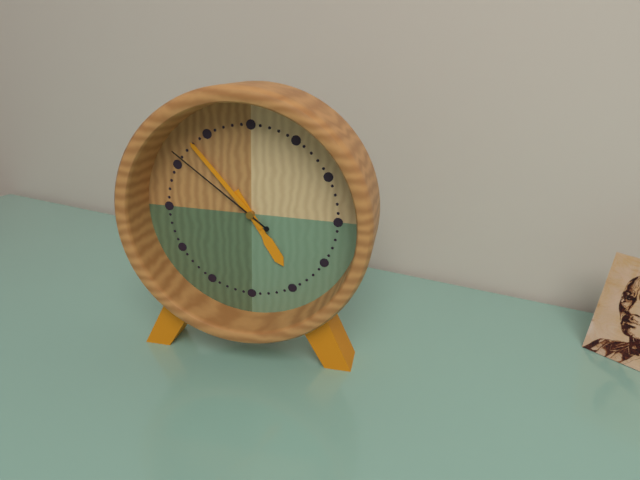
{"hour": 4, "minute": 53, "second": 51}
